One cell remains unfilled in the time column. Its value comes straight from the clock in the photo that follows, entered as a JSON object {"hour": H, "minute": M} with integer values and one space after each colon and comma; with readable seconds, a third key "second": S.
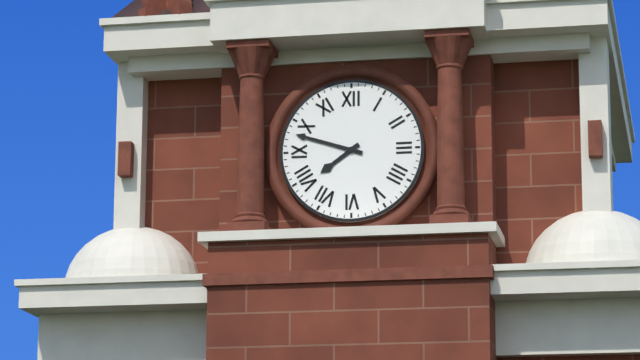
{"hour": 7, "minute": 48}
